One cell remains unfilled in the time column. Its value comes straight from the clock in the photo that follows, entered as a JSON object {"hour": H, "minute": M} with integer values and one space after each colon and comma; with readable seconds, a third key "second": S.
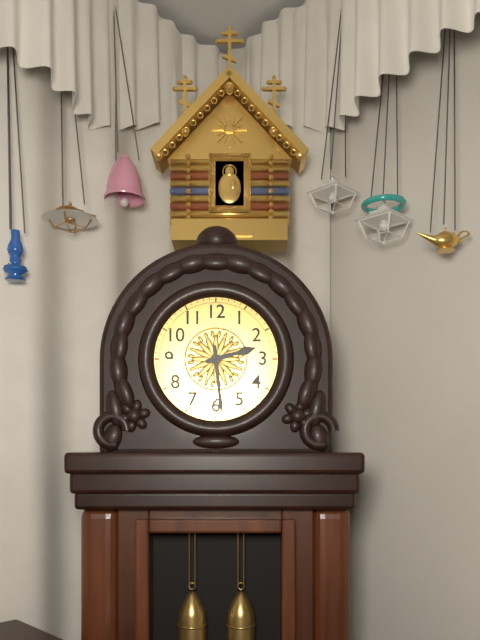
{"hour": 2, "minute": 29}
